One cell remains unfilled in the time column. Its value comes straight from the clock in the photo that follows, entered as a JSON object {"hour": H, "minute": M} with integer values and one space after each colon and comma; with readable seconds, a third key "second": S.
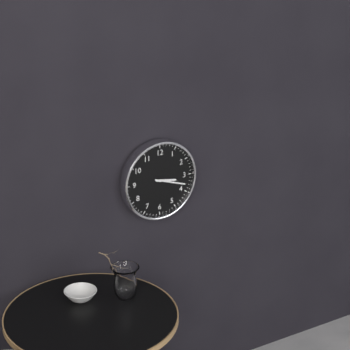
{"hour": 3, "minute": 18}
